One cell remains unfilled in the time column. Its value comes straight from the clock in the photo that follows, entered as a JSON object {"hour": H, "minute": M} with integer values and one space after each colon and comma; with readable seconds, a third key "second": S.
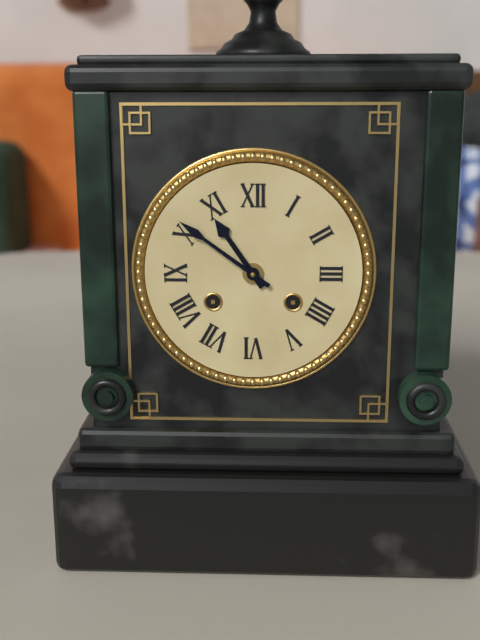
{"hour": 10, "minute": 51}
